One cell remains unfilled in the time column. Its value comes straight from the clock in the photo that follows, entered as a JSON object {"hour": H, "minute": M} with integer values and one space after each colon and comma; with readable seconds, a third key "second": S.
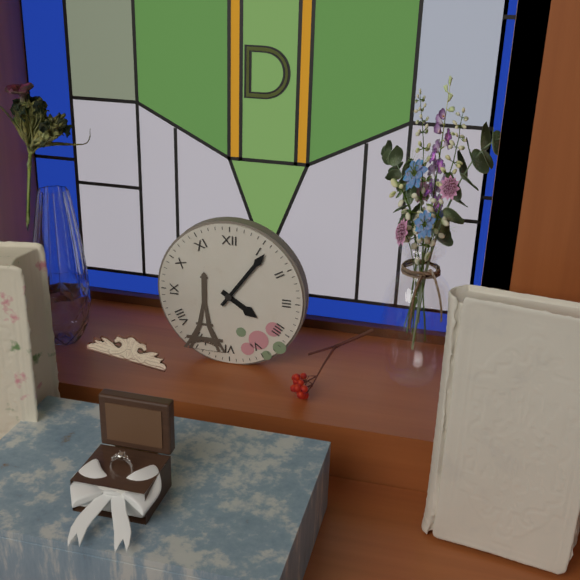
{"hour": 4, "minute": 6}
